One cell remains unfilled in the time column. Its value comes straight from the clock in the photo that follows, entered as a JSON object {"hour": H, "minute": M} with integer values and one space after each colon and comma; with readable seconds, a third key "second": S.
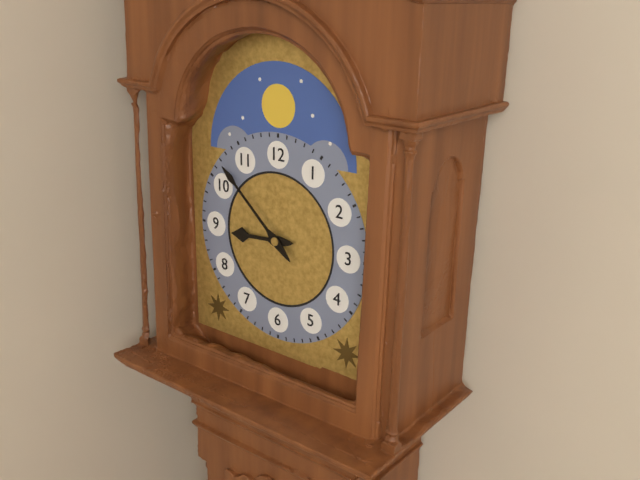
{"hour": 8, "minute": 52}
